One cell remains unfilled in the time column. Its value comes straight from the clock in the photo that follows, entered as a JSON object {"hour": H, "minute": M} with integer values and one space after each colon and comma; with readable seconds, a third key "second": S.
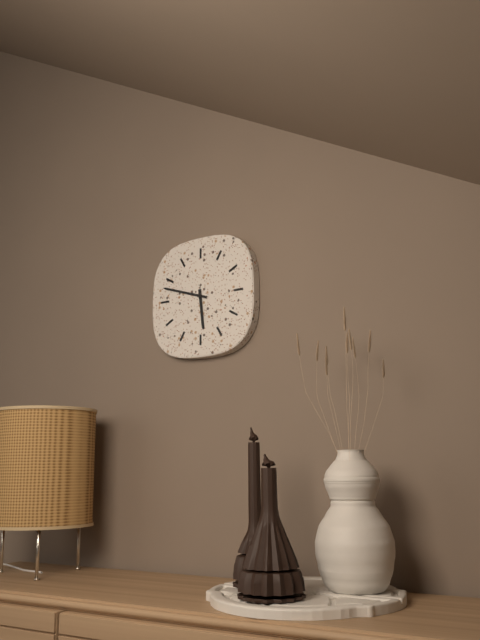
{"hour": 5, "minute": 48}
